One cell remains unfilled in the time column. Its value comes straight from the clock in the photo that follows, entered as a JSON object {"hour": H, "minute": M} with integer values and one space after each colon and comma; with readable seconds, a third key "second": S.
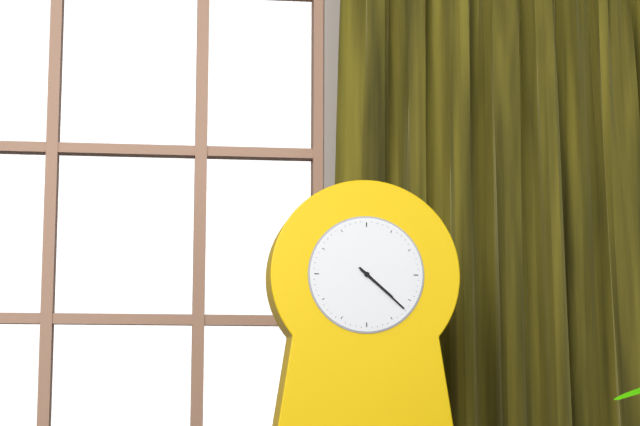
{"hour": 4, "minute": 22}
